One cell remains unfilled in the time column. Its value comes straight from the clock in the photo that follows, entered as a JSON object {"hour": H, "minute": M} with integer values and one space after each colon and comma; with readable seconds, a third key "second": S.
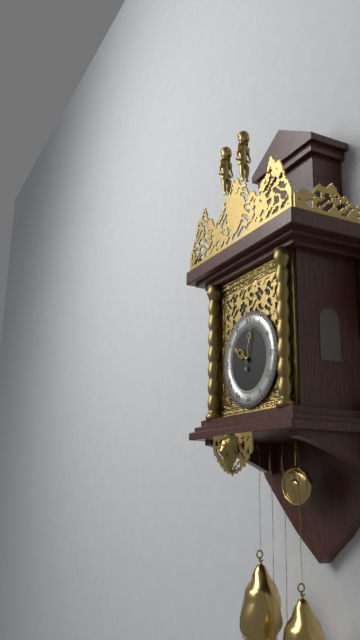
{"hour": 10, "minute": 2}
